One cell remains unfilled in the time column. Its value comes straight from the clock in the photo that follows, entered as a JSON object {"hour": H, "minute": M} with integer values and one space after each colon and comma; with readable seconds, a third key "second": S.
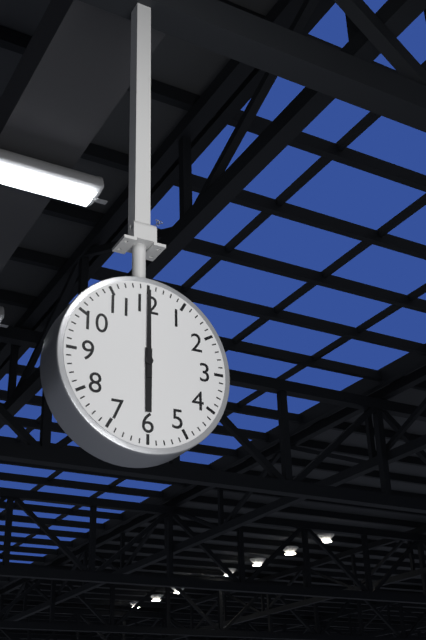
{"hour": 6, "minute": 0}
